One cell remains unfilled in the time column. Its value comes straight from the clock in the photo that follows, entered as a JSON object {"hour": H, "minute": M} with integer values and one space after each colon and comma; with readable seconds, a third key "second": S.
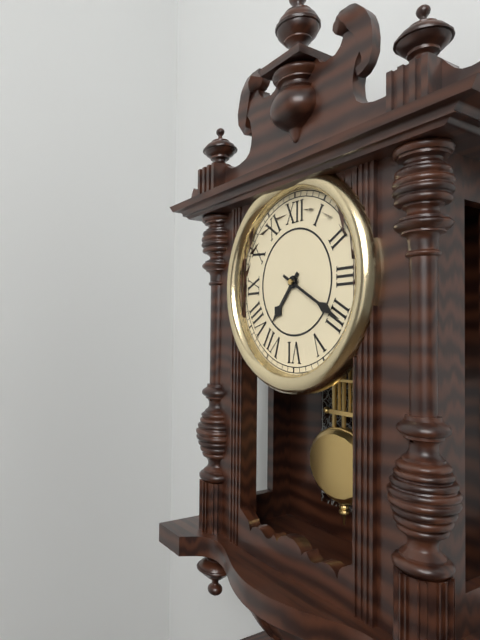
{"hour": 7, "minute": 20}
